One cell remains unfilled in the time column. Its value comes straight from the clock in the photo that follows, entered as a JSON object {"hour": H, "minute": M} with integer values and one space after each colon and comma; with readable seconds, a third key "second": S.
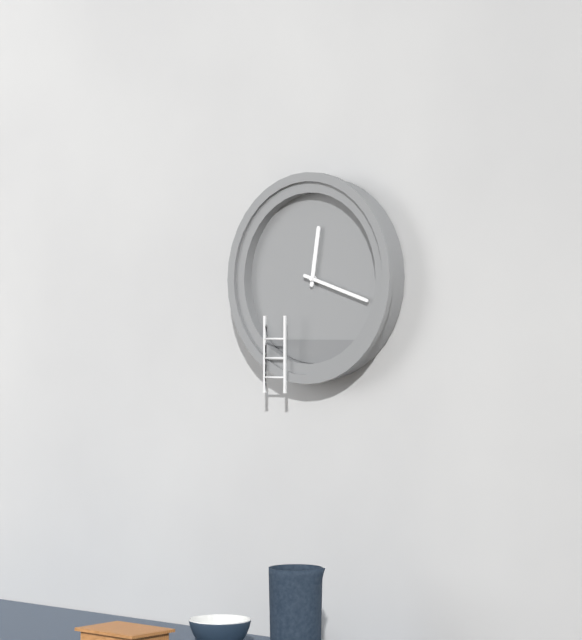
{"hour": 12, "minute": 18}
